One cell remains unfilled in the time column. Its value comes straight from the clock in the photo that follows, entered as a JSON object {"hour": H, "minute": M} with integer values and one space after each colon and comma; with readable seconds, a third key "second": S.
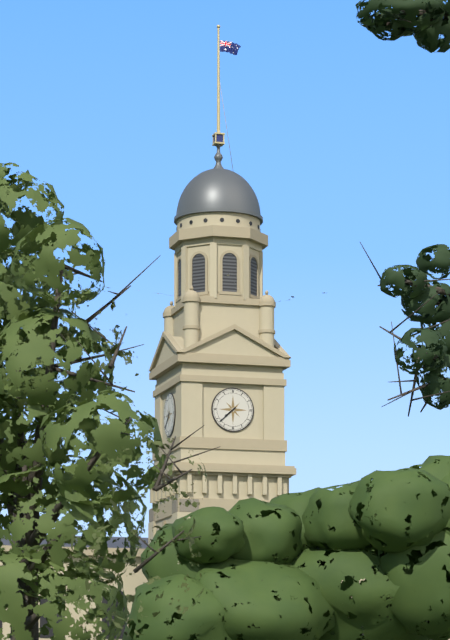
{"hour": 7, "minute": 38}
